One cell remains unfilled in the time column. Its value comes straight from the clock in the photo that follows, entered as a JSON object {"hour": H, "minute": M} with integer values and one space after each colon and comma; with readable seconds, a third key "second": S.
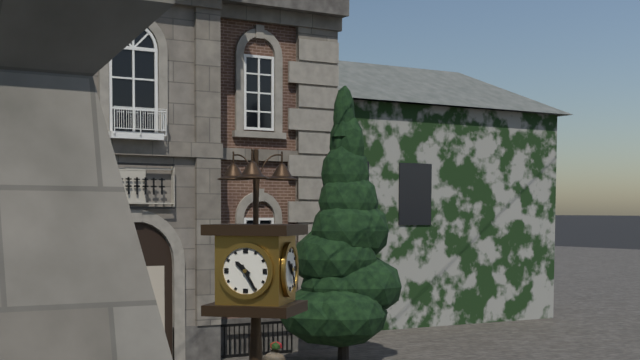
{"hour": 10, "minute": 25}
